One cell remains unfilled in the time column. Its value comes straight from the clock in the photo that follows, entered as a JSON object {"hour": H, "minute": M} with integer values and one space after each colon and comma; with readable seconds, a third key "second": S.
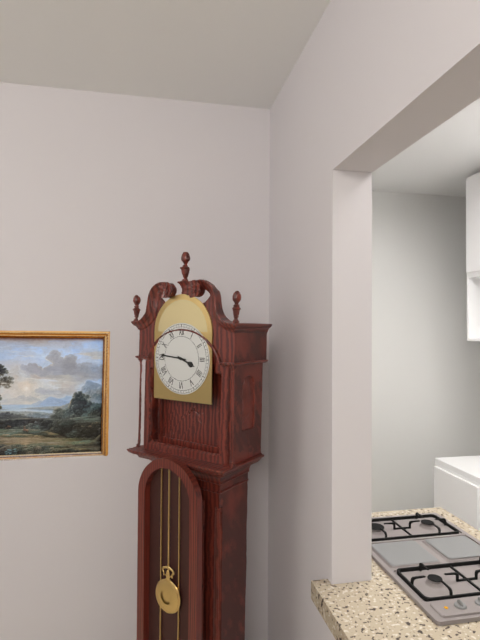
{"hour": 3, "minute": 46}
